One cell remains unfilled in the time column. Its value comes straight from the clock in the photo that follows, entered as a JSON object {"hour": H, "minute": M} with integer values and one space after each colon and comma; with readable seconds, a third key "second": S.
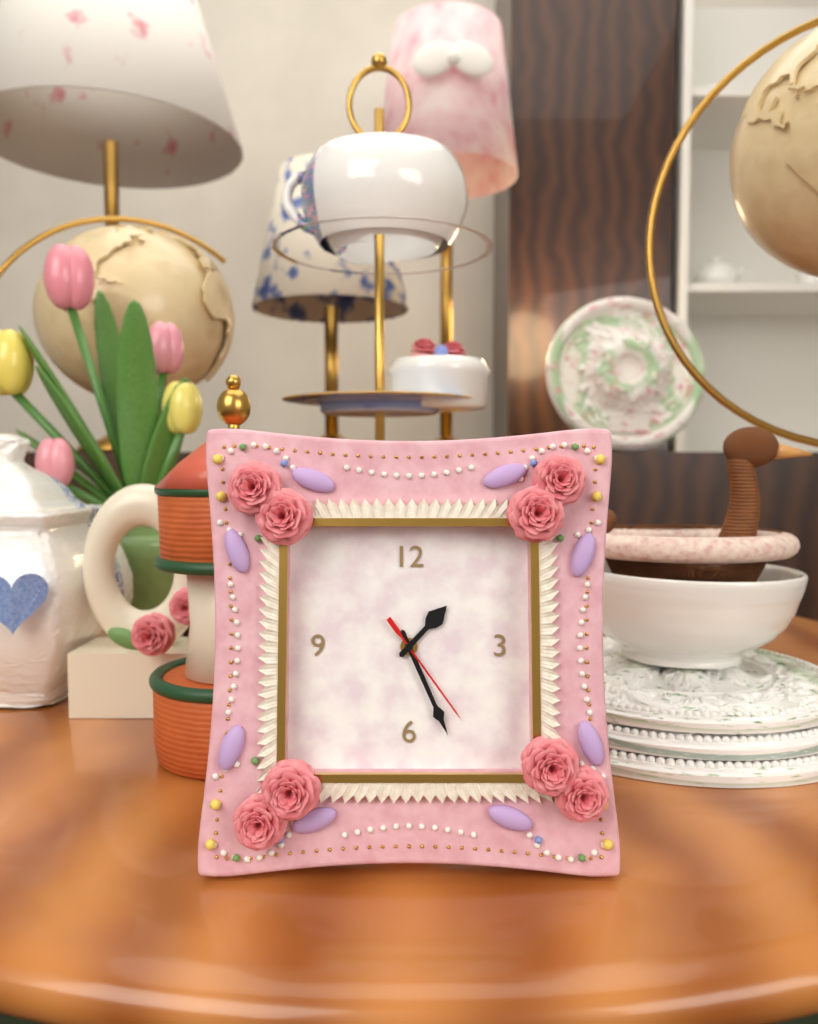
{"hour": 1, "minute": 26, "second": 24}
